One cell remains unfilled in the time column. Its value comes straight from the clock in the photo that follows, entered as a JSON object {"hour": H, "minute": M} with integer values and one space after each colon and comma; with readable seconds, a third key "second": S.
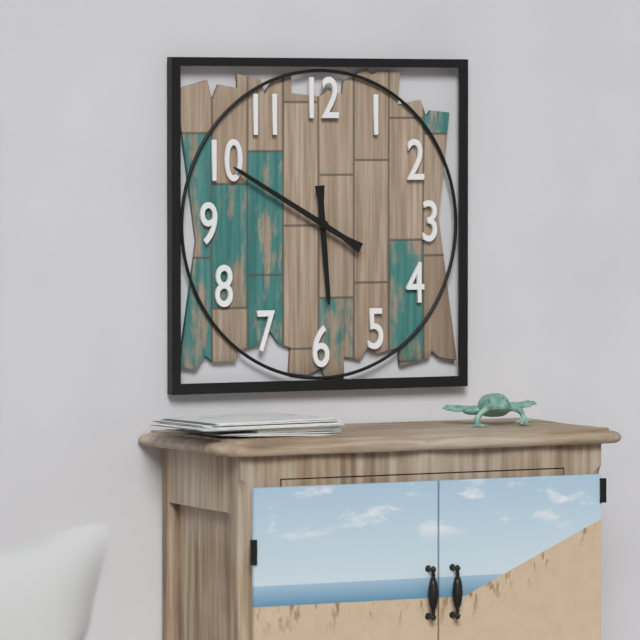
{"hour": 5, "minute": 50}
